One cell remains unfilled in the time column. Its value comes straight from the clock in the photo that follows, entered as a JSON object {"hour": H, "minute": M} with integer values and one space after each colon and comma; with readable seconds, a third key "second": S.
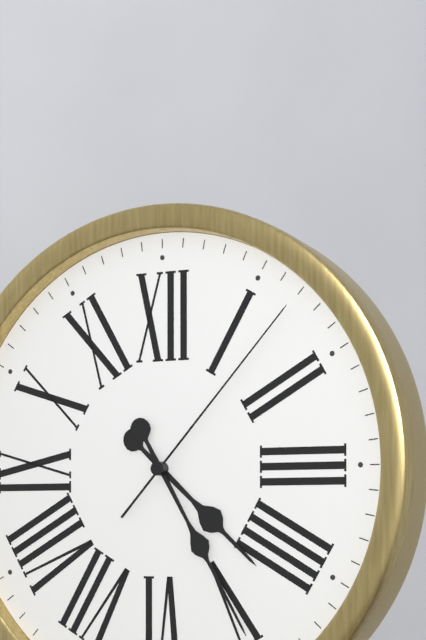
{"hour": 4, "minute": 25, "second": 7}
